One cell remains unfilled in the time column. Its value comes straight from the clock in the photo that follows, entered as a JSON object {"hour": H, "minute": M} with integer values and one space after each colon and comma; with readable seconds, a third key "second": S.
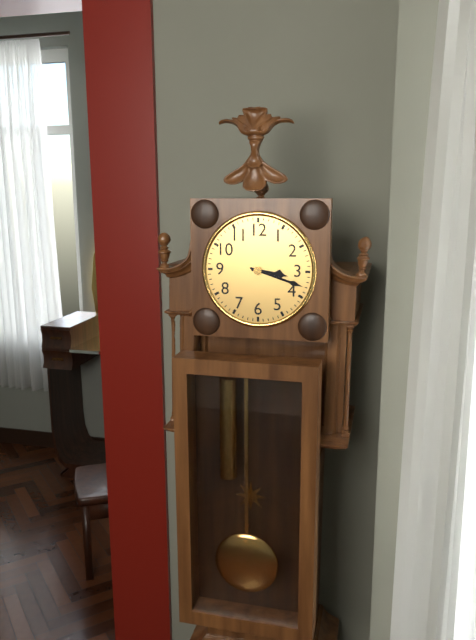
{"hour": 3, "minute": 18}
